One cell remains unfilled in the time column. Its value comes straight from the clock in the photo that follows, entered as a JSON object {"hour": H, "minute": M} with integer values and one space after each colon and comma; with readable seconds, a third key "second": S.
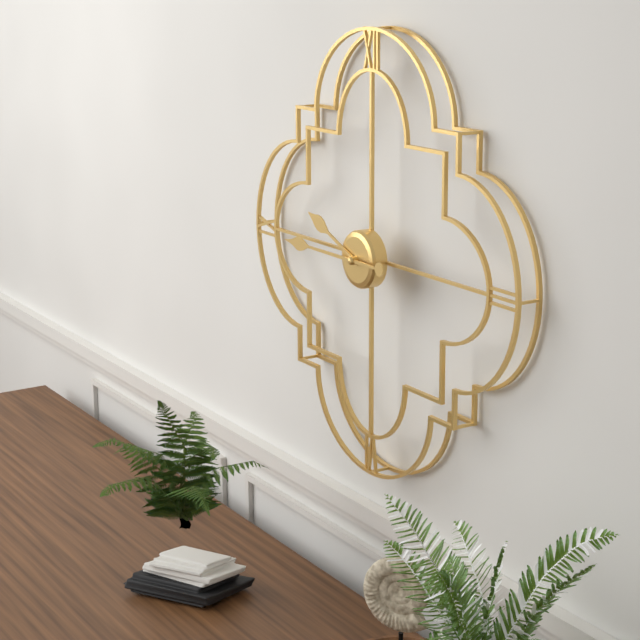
{"hour": 9, "minute": 45}
